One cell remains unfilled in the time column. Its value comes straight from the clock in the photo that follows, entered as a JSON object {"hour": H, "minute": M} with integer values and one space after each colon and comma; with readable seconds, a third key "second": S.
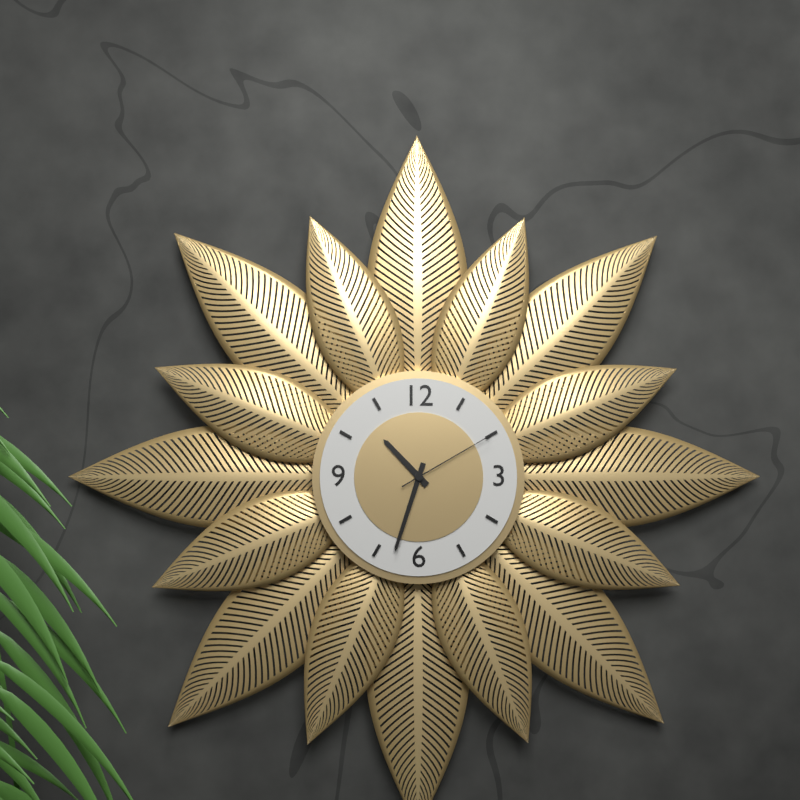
{"hour": 10, "minute": 33, "second": 10}
